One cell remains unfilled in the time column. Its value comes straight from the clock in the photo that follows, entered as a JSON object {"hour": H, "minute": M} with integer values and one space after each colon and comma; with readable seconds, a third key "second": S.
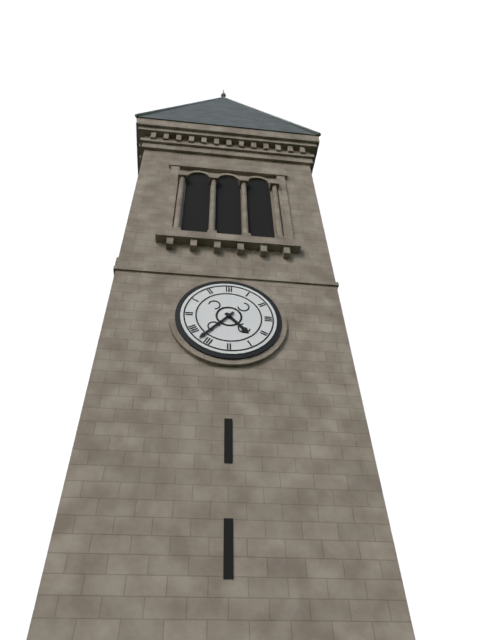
{"hour": 4, "minute": 37}
